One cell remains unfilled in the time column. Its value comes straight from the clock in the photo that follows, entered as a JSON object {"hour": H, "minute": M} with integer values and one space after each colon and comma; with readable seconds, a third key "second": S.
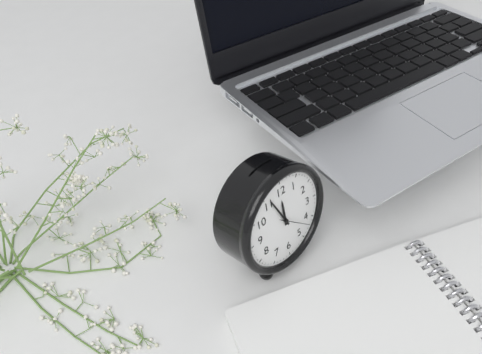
{"hour": 11, "minute": 56}
